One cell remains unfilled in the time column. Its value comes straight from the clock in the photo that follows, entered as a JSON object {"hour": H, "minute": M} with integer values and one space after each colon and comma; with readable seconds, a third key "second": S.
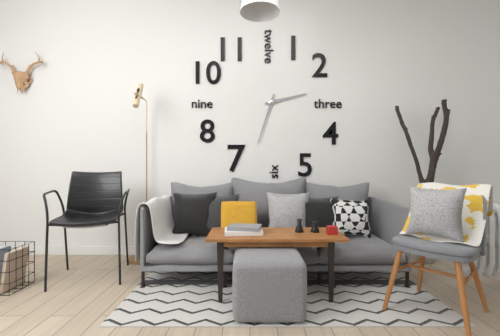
{"hour": 2, "minute": 33}
